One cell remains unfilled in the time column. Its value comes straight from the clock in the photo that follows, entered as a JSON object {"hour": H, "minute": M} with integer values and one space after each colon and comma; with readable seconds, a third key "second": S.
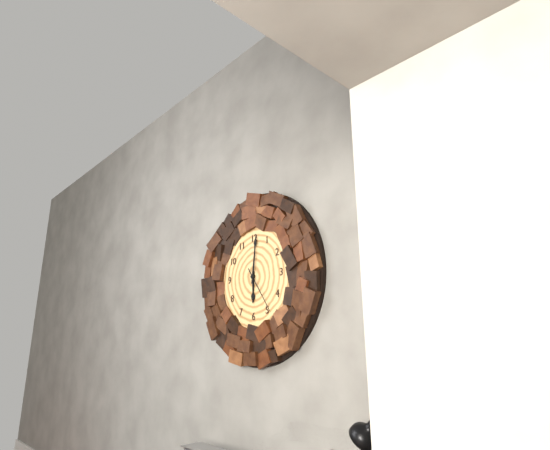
{"hour": 6, "minute": 1}
